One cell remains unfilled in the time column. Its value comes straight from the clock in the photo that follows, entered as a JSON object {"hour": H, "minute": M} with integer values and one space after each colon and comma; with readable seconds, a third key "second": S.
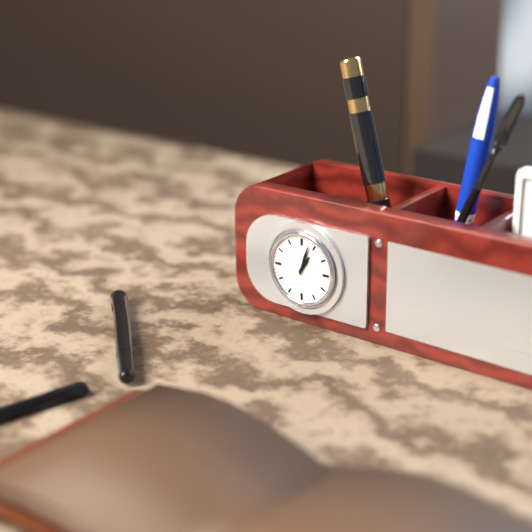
{"hour": 1, "minute": 3}
